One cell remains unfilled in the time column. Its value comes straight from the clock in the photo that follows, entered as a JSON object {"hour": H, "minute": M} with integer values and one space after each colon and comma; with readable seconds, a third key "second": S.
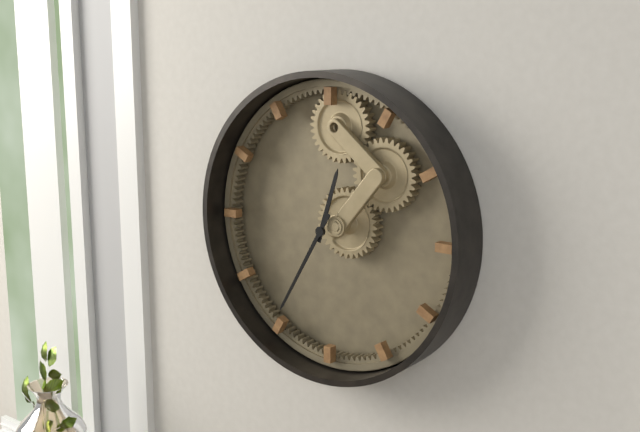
{"hour": 12, "minute": 35}
